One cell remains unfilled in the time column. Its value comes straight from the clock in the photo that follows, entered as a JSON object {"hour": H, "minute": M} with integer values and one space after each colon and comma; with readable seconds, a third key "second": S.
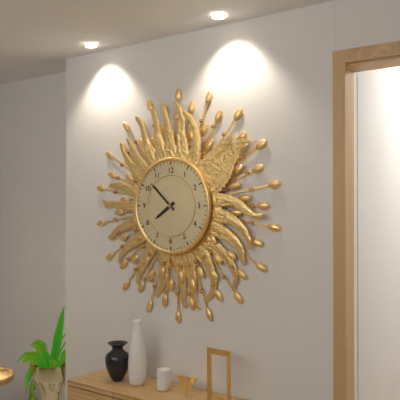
{"hour": 7, "minute": 52}
